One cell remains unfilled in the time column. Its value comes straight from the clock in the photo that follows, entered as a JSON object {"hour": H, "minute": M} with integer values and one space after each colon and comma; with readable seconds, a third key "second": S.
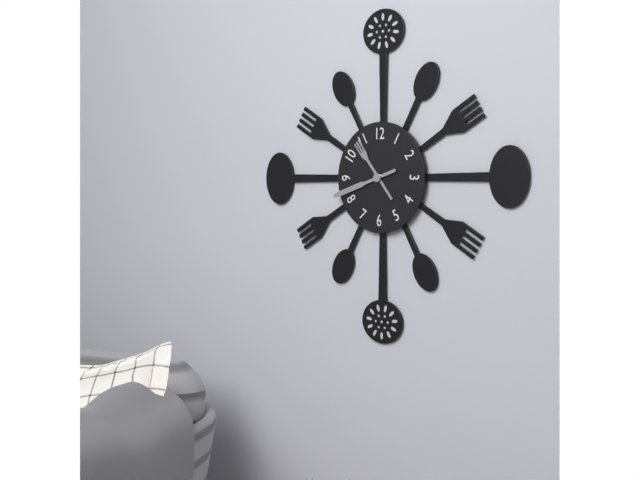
{"hour": 10, "minute": 42}
